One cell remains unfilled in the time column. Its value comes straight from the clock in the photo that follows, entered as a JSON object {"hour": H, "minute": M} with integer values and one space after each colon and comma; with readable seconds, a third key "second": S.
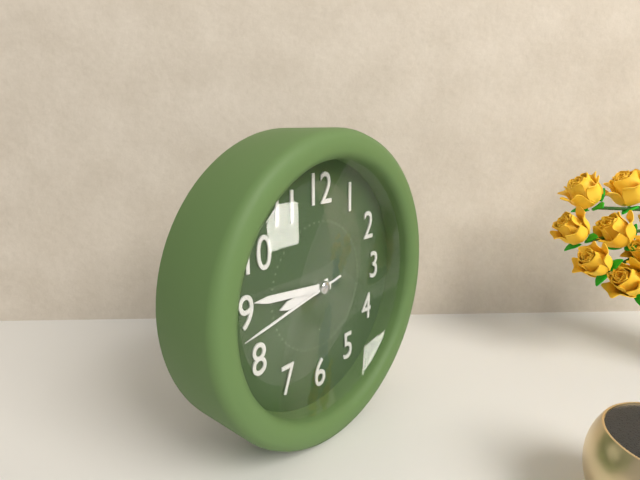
{"hour": 8, "minute": 46, "second": 43}
